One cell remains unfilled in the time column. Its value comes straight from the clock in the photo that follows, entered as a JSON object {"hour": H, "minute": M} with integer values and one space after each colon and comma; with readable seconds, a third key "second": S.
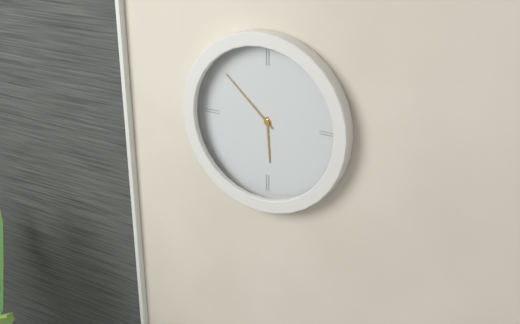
{"hour": 5, "minute": 52}
